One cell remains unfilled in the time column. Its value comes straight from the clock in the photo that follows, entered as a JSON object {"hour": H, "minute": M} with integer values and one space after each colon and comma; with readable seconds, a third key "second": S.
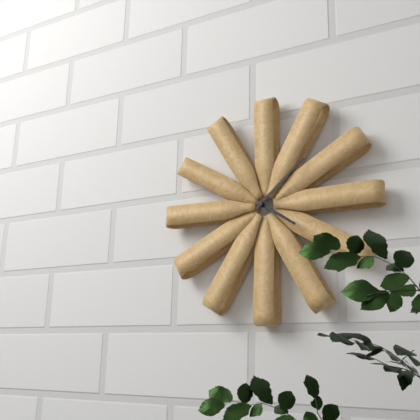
{"hour": 4, "minute": 8}
